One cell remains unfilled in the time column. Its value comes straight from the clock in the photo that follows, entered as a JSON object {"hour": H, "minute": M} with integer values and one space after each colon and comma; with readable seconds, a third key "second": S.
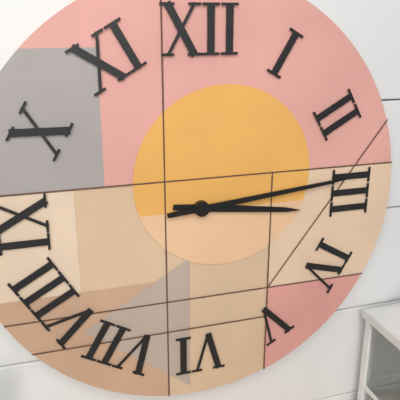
{"hour": 3, "minute": 14}
